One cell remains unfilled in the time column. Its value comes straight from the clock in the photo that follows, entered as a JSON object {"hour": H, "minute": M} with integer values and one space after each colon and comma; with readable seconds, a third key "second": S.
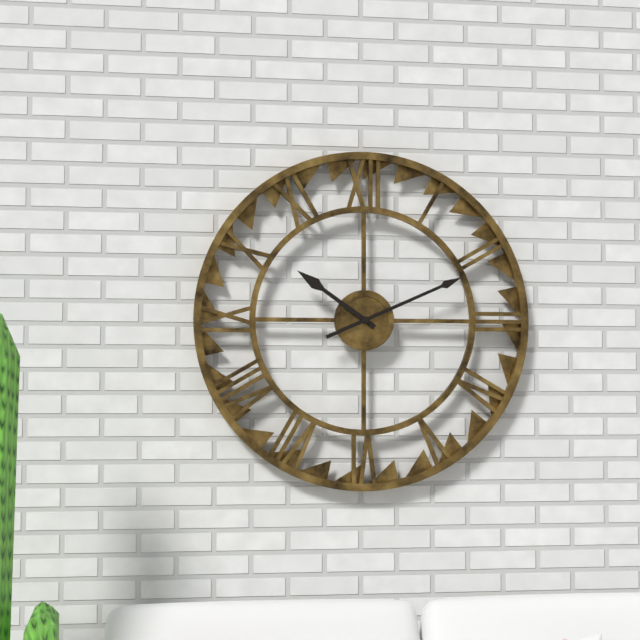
{"hour": 10, "minute": 11}
